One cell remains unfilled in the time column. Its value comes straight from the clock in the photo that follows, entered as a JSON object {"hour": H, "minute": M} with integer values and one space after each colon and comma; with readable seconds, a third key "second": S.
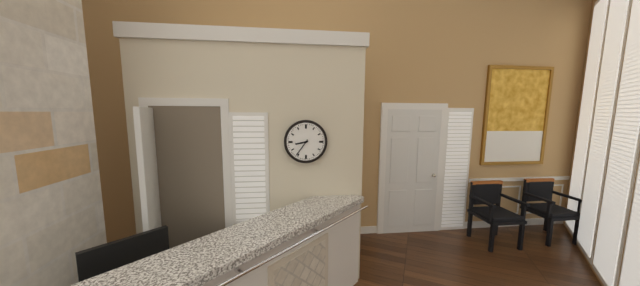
{"hour": 8, "minute": 36}
